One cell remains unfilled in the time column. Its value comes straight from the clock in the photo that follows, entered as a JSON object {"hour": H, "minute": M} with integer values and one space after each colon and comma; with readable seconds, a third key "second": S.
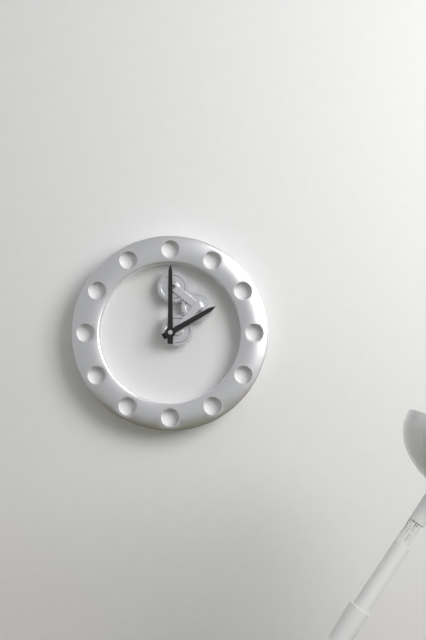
{"hour": 2, "minute": 0}
